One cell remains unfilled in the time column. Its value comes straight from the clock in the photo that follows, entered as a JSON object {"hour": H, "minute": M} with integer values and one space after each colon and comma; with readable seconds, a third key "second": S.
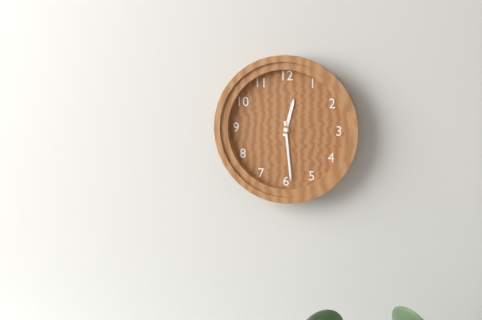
{"hour": 12, "minute": 29}
